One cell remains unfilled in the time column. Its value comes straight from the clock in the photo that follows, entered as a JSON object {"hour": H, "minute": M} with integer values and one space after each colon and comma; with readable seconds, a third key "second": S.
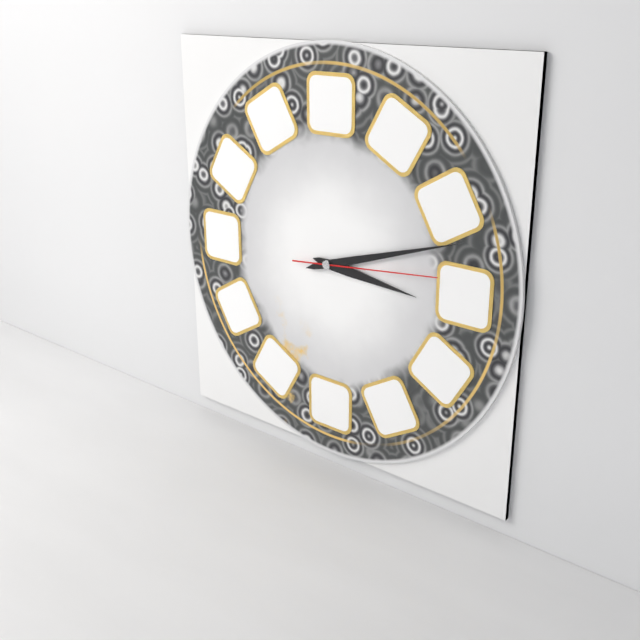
{"hour": 3, "minute": 12, "second": 14}
